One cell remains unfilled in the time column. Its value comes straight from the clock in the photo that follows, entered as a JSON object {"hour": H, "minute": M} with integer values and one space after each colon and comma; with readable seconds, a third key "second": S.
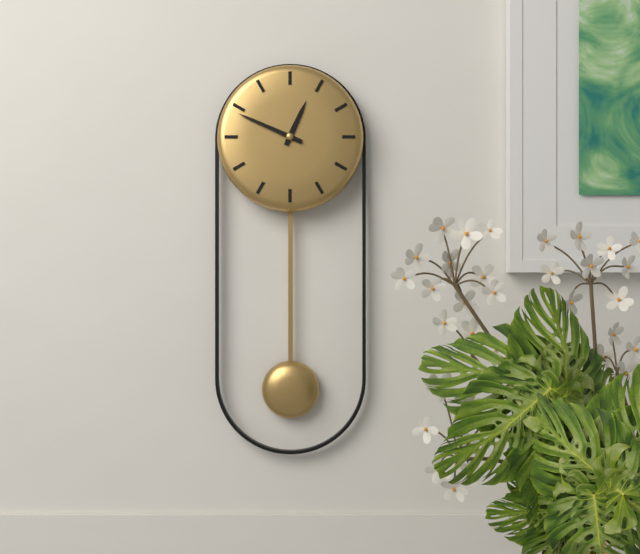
{"hour": 12, "minute": 49}
